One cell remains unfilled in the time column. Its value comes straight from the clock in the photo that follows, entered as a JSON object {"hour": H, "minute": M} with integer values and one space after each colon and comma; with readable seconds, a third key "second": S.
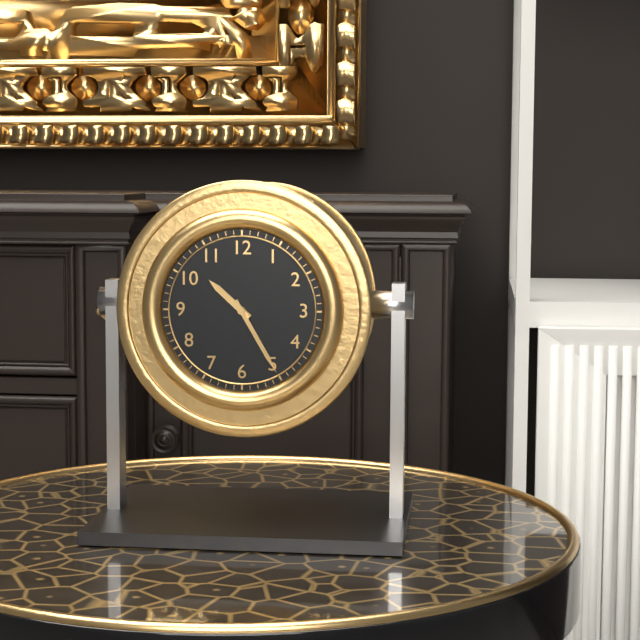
{"hour": 10, "minute": 25}
